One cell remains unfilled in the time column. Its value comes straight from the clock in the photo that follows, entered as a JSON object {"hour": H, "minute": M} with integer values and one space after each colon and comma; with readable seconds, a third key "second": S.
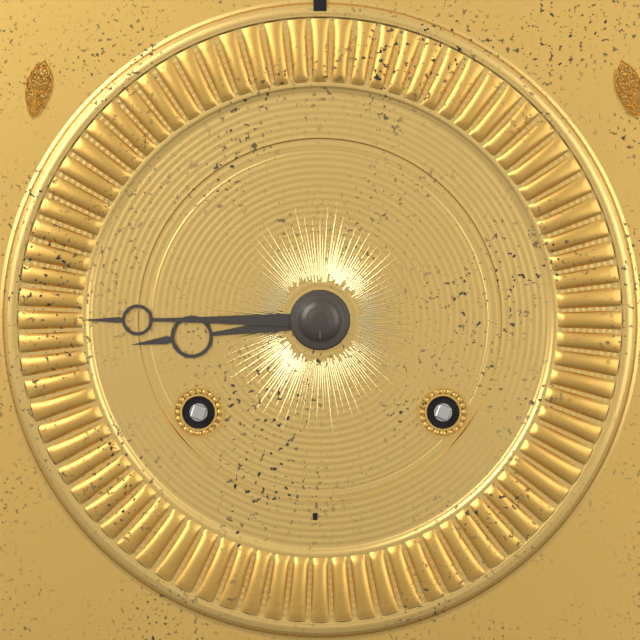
{"hour": 8, "minute": 45}
